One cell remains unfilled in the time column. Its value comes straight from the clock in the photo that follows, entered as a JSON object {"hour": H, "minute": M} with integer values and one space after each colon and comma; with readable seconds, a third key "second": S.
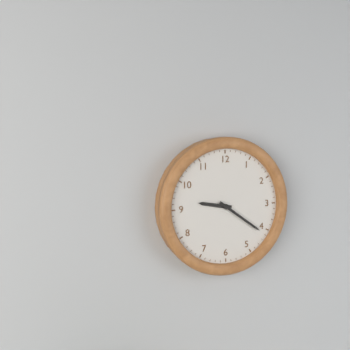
{"hour": 9, "minute": 21}
